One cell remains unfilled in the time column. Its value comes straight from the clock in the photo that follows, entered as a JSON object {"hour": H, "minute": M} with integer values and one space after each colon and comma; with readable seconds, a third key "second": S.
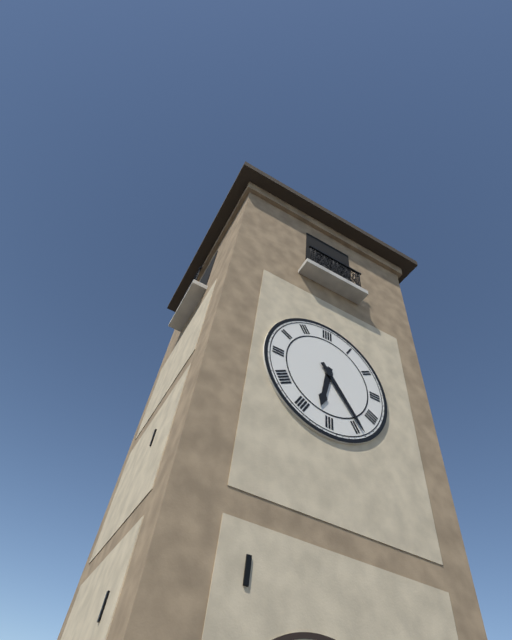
{"hour": 6, "minute": 24}
